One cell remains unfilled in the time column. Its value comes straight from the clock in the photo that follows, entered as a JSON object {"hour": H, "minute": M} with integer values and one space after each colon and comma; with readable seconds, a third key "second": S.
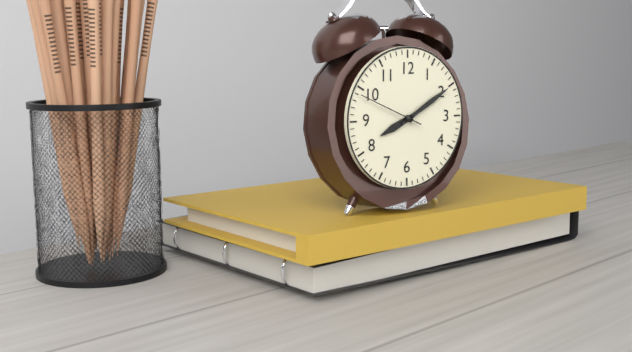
{"hour": 8, "minute": 10, "second": 49}
